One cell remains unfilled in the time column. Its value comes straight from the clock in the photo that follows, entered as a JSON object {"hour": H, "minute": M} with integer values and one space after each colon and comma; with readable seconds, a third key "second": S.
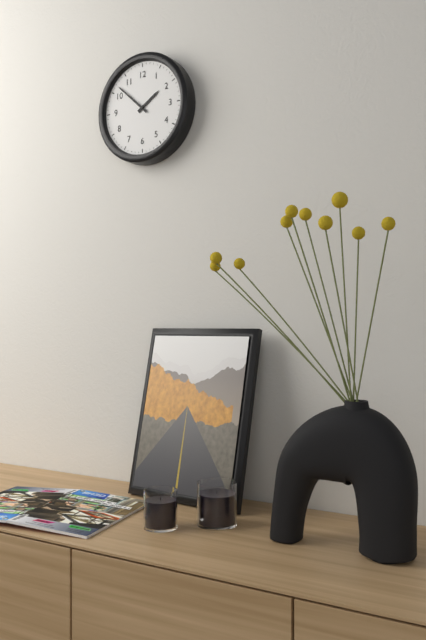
{"hour": 1, "minute": 52}
